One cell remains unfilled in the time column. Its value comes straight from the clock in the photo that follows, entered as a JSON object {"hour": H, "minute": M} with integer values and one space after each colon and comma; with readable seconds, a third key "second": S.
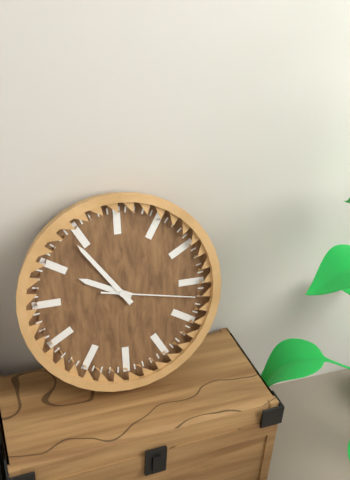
{"hour": 9, "minute": 54, "second": 17}
